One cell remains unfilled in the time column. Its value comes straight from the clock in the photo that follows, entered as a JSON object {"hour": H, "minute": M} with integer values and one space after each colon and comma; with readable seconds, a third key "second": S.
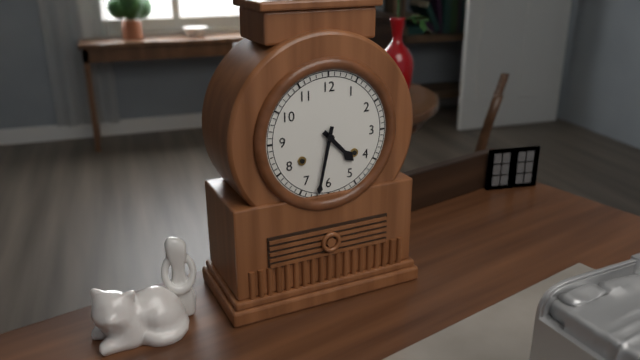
{"hour": 4, "minute": 32}
